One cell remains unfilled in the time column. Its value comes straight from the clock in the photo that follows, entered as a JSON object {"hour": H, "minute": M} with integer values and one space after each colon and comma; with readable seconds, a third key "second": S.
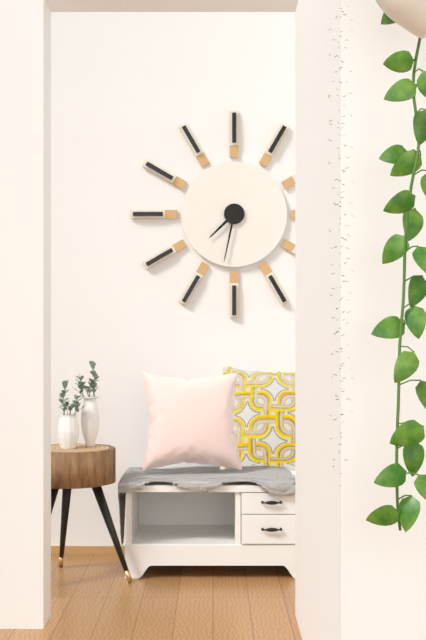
{"hour": 7, "minute": 32}
